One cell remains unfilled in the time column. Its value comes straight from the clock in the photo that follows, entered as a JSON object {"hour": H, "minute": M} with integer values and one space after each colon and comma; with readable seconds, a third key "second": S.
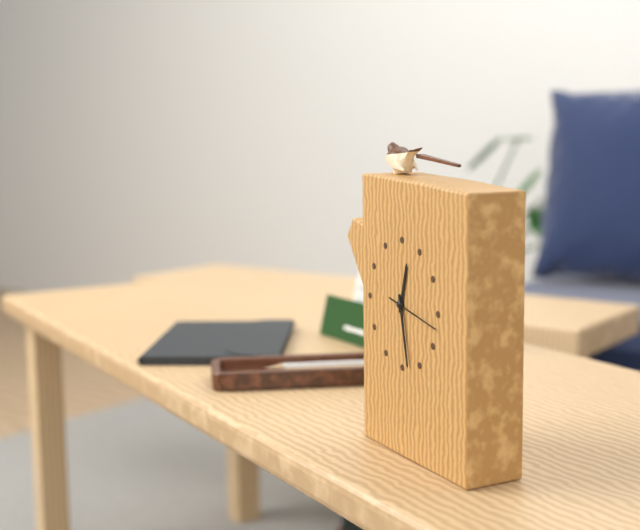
{"hour": 12, "minute": 28, "second": 17}
